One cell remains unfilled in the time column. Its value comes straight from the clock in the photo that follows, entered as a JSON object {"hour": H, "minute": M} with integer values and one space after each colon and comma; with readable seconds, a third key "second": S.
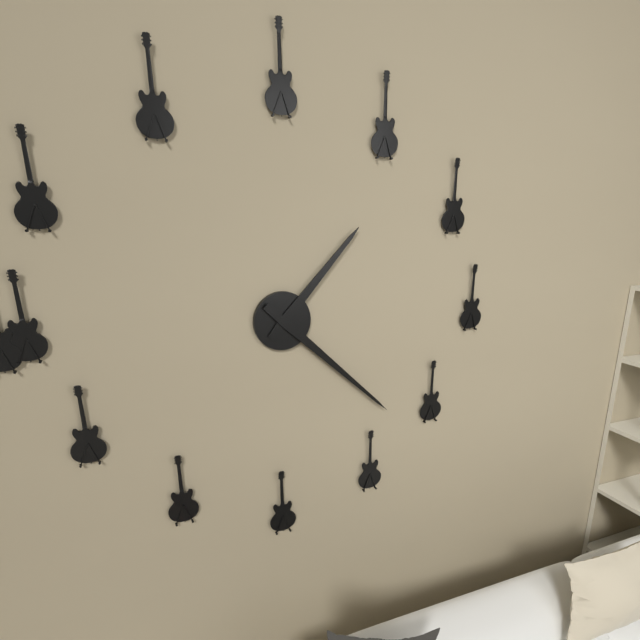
{"hour": 1, "minute": 22}
